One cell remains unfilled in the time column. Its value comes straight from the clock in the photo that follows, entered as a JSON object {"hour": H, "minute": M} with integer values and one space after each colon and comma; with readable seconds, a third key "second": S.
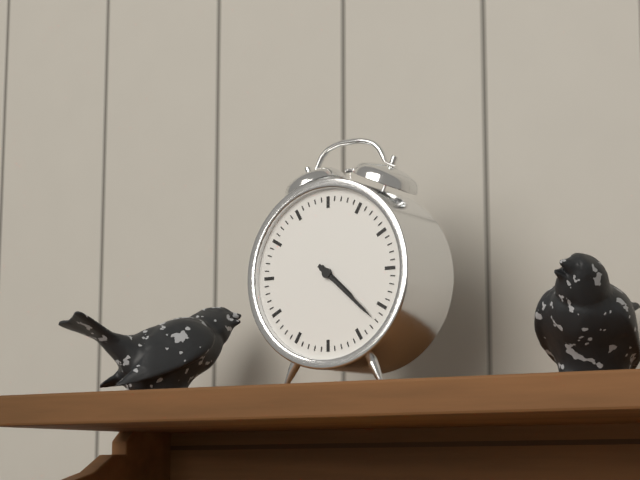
{"hour": 4, "minute": 22}
